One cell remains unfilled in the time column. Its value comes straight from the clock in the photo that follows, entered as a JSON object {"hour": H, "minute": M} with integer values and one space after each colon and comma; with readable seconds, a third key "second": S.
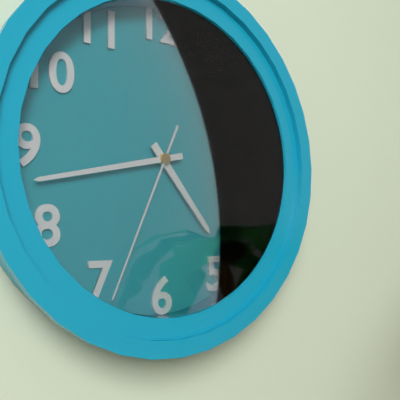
{"hour": 4, "minute": 43, "second": 34}
